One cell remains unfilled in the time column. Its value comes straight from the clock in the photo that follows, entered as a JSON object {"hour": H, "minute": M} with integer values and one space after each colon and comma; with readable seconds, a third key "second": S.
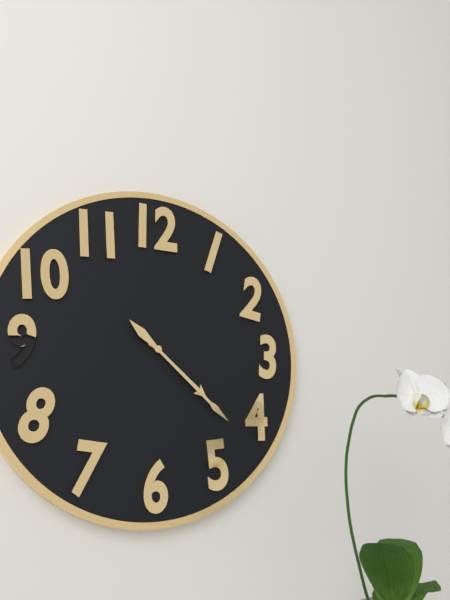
{"hour": 4, "minute": 22}
